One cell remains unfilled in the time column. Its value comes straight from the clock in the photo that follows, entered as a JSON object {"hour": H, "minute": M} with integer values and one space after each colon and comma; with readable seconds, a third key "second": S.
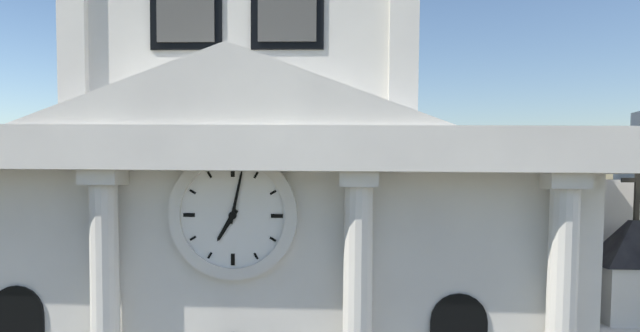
{"hour": 7, "minute": 2}
